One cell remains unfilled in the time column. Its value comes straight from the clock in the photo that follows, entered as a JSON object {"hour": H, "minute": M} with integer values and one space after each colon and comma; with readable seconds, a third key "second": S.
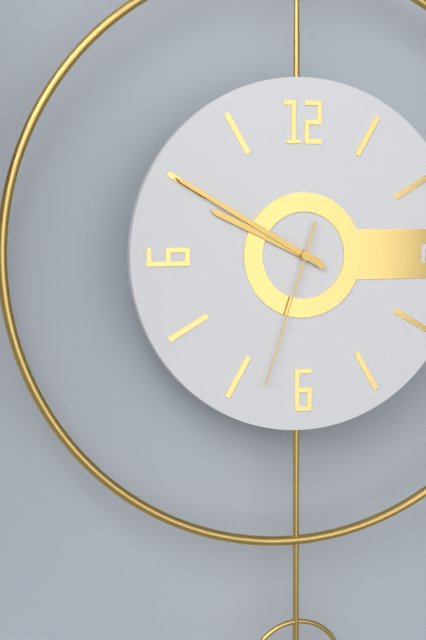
{"hour": 9, "minute": 50, "second": 33}
